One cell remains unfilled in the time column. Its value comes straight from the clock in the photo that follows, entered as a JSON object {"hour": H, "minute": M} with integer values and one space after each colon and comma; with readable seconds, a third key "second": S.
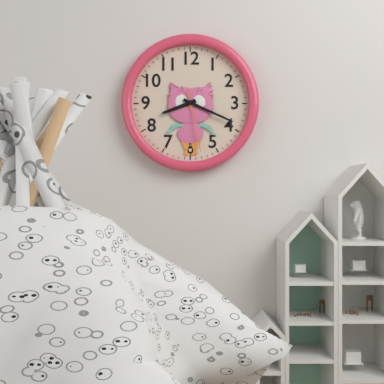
{"hour": 8, "minute": 19, "second": 28}
